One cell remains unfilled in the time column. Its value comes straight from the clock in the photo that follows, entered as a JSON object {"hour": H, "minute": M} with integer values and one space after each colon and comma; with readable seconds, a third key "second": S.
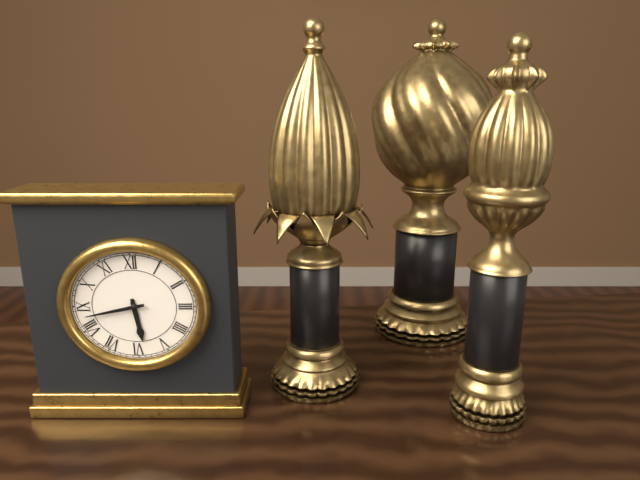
{"hour": 5, "minute": 43}
